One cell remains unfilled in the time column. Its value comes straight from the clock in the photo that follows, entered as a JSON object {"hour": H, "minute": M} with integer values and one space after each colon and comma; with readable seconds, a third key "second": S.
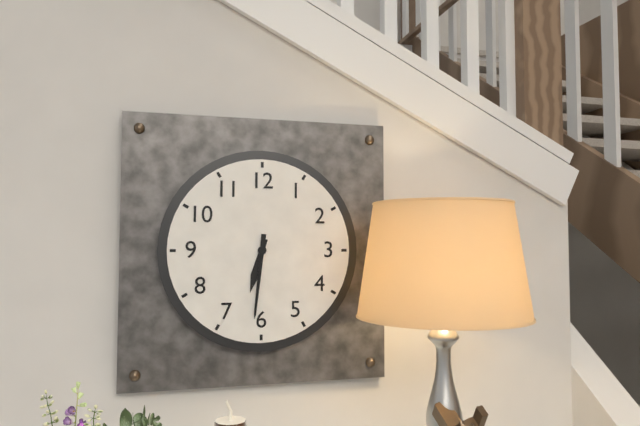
{"hour": 6, "minute": 31}
